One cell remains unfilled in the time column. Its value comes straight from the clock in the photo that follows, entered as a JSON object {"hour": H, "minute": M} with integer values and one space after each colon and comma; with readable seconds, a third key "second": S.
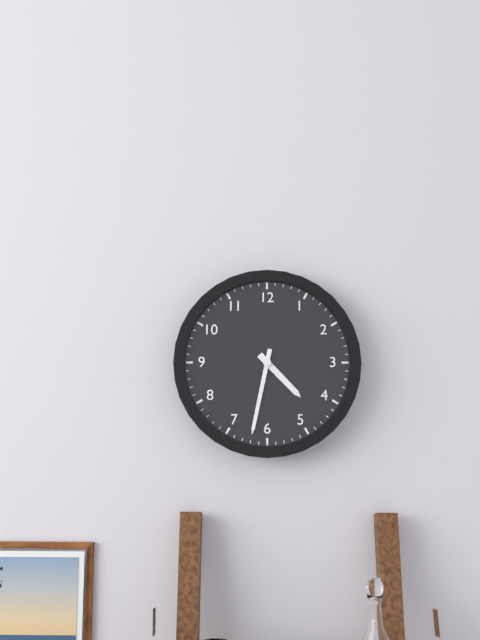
{"hour": 4, "minute": 32}
